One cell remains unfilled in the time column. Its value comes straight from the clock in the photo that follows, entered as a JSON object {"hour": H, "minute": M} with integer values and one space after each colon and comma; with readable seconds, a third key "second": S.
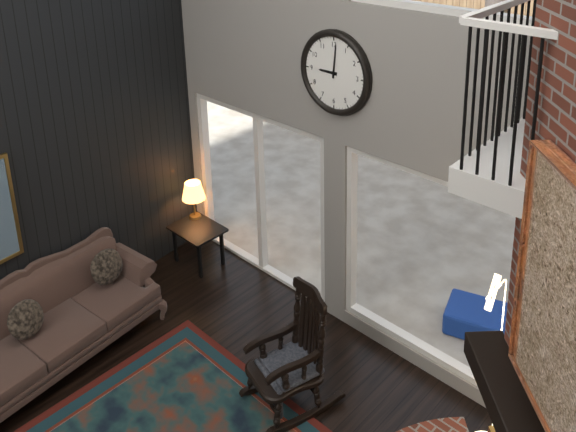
{"hour": 9, "minute": 1}
